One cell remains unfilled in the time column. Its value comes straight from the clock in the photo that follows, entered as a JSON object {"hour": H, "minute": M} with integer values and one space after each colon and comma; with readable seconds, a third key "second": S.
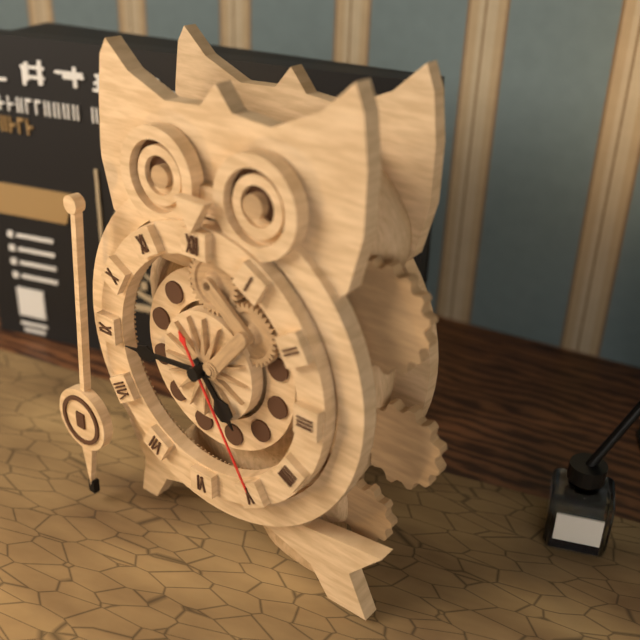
{"hour": 4, "minute": 44, "second": 25}
